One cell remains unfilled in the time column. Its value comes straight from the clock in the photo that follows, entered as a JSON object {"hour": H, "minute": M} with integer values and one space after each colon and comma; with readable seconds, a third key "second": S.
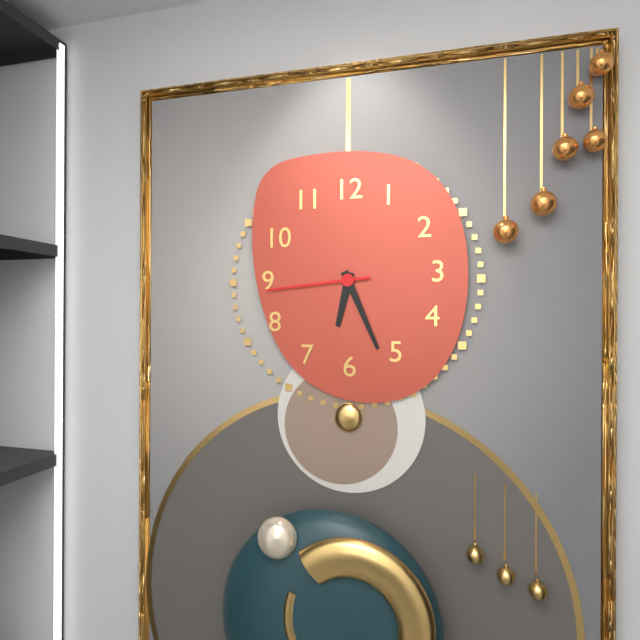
{"hour": 6, "minute": 26, "second": 44}
